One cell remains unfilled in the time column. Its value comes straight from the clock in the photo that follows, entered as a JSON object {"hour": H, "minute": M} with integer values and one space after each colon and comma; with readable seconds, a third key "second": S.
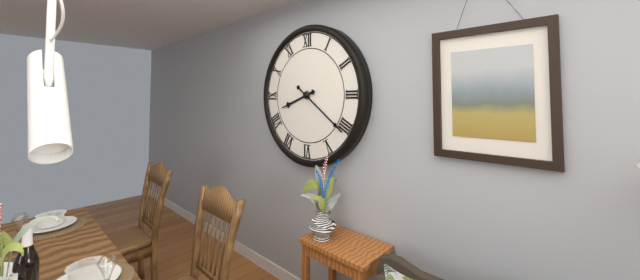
{"hour": 8, "minute": 21}
